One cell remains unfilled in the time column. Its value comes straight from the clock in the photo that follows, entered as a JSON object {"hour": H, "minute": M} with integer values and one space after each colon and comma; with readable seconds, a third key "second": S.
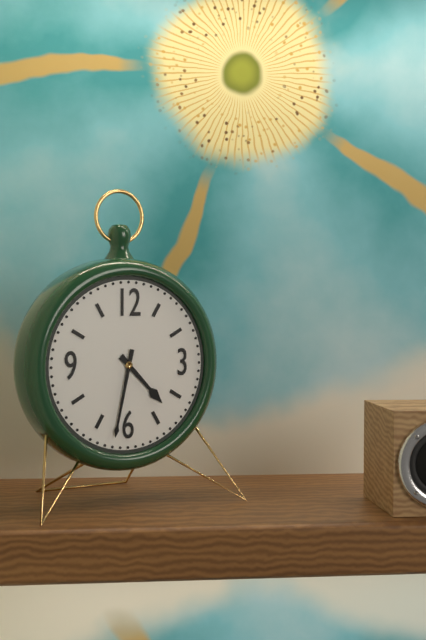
{"hour": 4, "minute": 32}
